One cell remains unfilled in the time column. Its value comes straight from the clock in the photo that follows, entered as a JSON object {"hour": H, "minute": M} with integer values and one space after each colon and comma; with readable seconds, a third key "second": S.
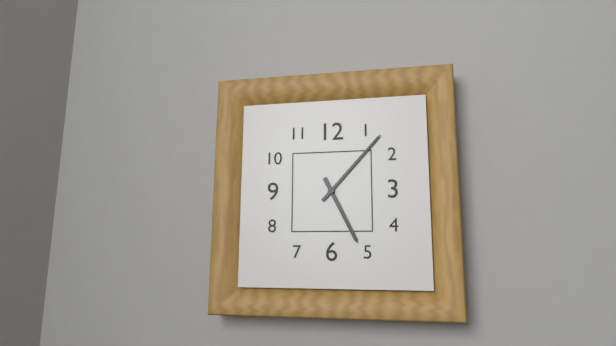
{"hour": 5, "minute": 7}
